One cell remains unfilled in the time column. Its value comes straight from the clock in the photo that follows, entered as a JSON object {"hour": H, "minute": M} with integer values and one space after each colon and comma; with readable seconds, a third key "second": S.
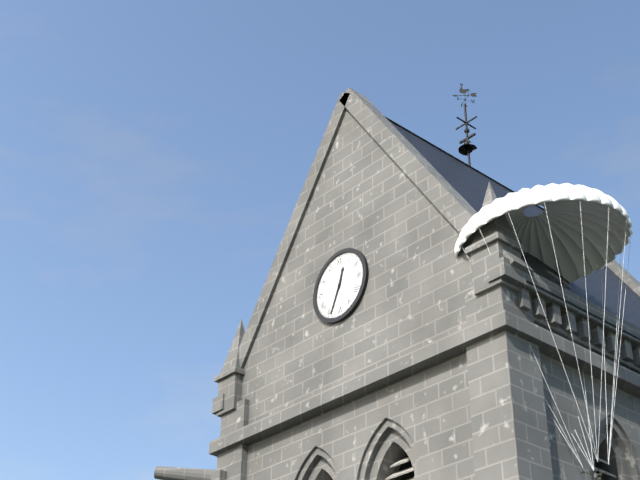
{"hour": 12, "minute": 34}
